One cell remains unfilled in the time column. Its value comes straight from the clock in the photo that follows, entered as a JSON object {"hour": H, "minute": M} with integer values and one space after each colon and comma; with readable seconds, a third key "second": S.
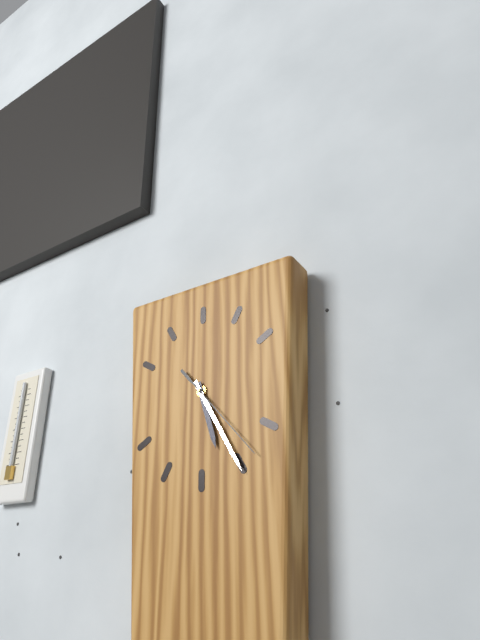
{"hour": 5, "minute": 25, "second": 23}
